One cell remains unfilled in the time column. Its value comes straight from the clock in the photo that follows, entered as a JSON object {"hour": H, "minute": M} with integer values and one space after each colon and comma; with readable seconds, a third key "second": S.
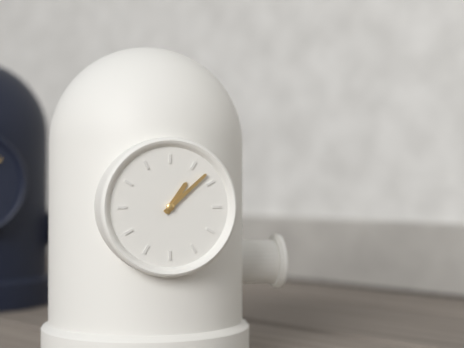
{"hour": 1, "minute": 8}
